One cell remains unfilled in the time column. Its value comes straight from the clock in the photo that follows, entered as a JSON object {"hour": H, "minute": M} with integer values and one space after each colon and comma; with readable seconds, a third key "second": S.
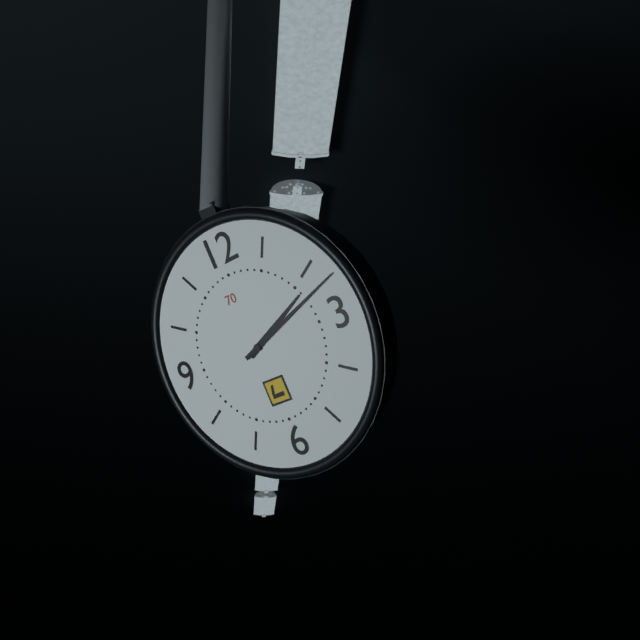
{"hour": 2, "minute": 12}
